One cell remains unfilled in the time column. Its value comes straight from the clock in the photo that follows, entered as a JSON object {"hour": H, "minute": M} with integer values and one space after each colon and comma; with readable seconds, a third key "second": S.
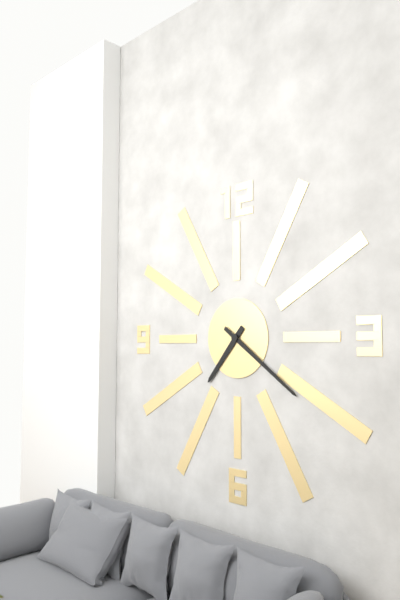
{"hour": 7, "minute": 21}
